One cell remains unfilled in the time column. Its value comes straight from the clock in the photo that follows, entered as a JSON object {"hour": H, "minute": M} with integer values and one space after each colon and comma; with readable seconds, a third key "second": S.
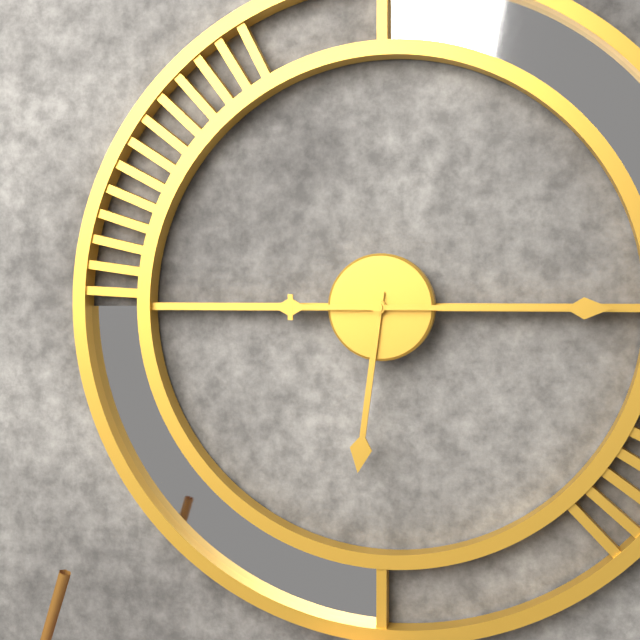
{"hour": 6, "minute": 15}
